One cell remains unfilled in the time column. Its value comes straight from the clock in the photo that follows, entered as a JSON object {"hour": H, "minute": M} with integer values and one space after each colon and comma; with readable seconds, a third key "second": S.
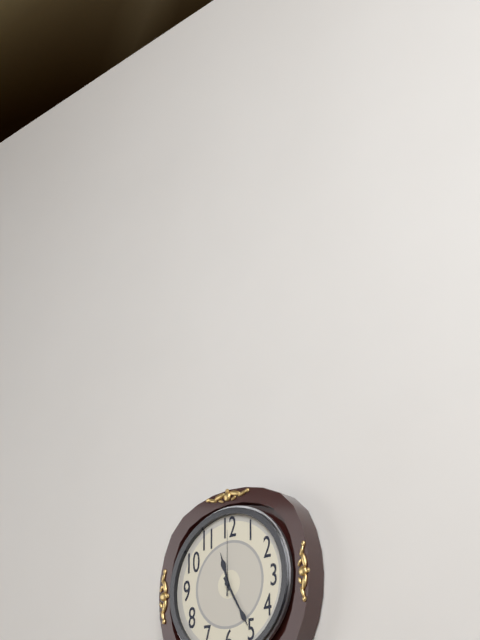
{"hour": 11, "minute": 25, "second": 0}
